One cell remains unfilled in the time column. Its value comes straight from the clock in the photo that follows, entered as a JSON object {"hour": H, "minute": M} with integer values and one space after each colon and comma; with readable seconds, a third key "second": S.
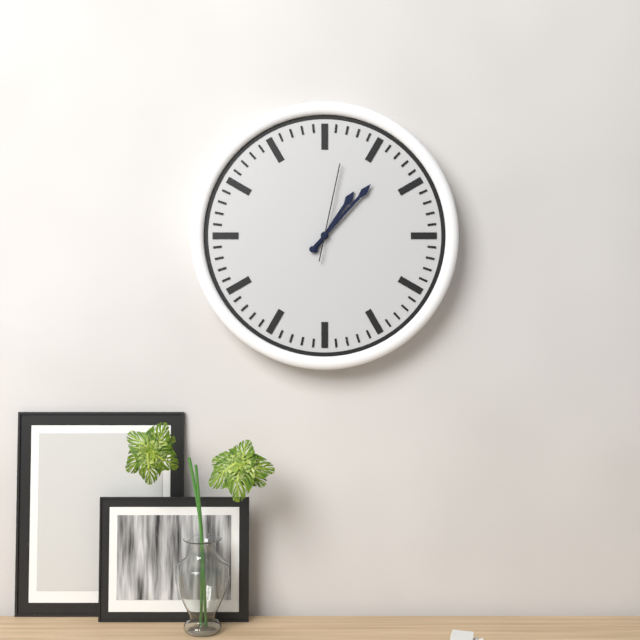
{"hour": 1, "minute": 7, "second": 2}
